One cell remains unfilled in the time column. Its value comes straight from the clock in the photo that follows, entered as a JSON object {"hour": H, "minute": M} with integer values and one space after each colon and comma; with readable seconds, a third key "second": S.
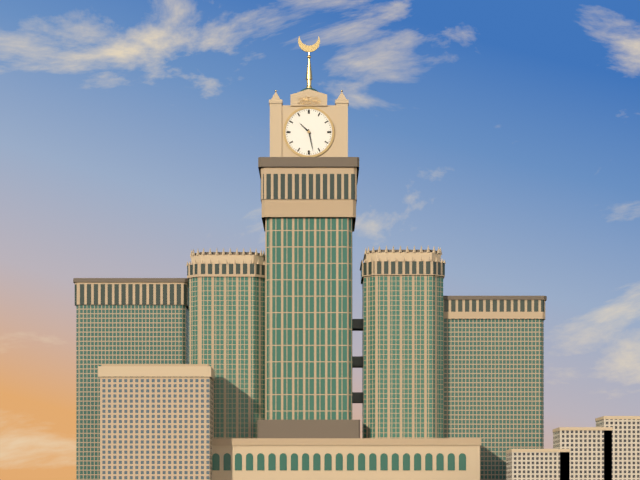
{"hour": 10, "minute": 28}
